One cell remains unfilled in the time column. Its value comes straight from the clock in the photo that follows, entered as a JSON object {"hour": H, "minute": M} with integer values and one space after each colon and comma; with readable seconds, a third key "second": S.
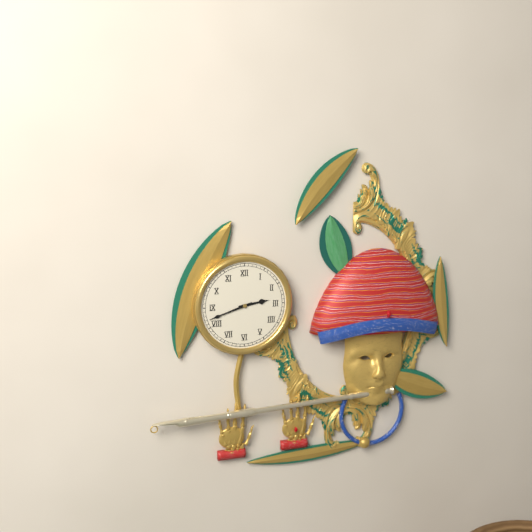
{"hour": 2, "minute": 42}
